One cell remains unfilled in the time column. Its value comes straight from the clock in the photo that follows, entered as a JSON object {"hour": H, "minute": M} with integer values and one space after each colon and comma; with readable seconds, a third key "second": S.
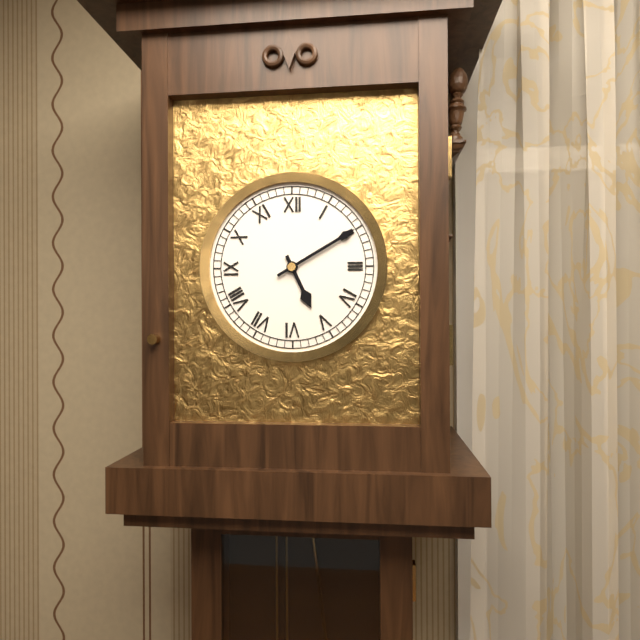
{"hour": 5, "minute": 10}
